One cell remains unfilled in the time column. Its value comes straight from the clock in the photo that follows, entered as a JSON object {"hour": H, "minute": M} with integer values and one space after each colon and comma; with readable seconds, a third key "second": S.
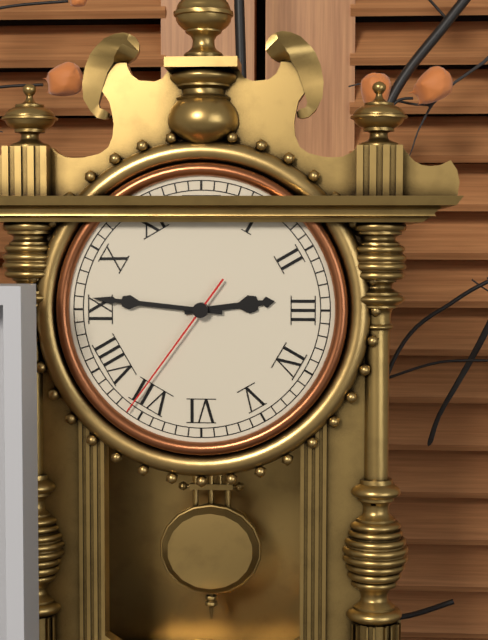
{"hour": 2, "minute": 46, "second": 36}
